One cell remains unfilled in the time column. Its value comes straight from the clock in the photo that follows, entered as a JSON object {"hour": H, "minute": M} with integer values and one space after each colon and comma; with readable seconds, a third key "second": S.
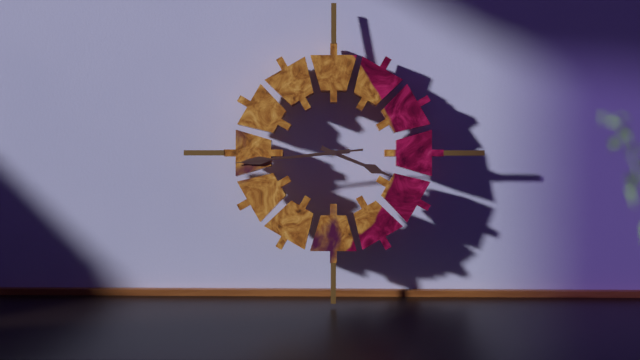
{"hour": 3, "minute": 44, "second": 44}
